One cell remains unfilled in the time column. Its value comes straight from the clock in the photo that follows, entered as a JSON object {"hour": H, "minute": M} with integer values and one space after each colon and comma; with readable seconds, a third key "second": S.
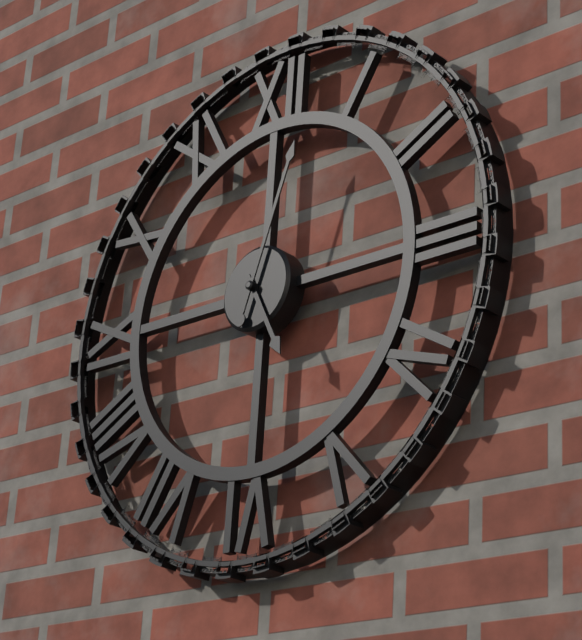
{"hour": 5, "minute": 3}
